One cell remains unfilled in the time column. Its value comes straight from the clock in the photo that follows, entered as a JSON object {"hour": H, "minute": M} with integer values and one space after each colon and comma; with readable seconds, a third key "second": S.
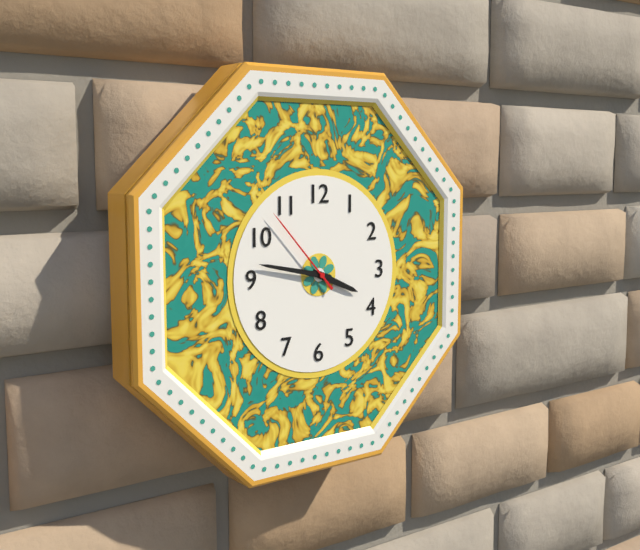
{"hour": 3, "minute": 47, "second": 53}
